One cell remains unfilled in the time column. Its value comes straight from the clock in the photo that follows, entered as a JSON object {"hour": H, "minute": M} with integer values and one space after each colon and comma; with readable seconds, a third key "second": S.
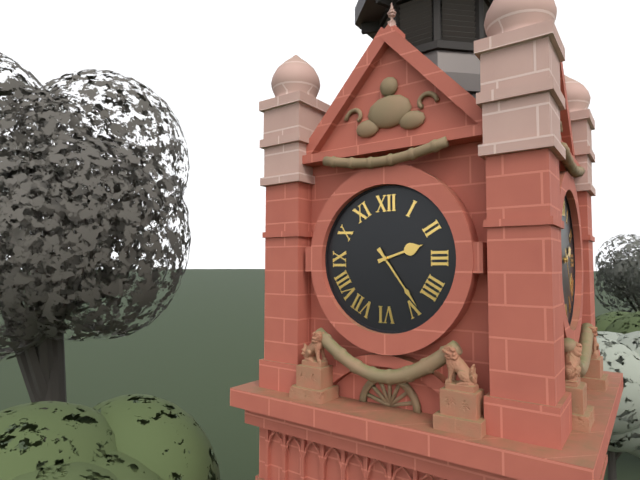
{"hour": 2, "minute": 24}
